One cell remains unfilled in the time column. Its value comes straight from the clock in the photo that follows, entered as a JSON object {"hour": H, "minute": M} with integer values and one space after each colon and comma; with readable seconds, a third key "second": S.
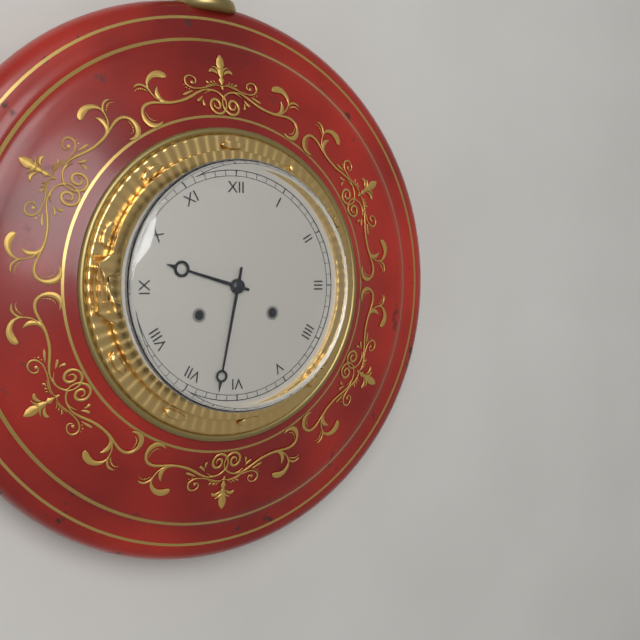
{"hour": 9, "minute": 32}
